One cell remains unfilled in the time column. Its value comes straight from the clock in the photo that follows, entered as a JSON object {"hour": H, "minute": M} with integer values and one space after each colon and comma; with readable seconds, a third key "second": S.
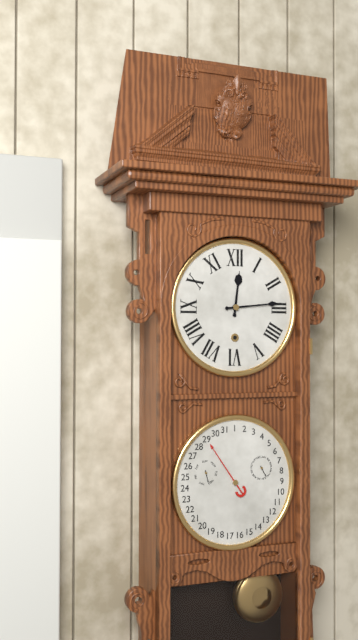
{"hour": 12, "minute": 14}
